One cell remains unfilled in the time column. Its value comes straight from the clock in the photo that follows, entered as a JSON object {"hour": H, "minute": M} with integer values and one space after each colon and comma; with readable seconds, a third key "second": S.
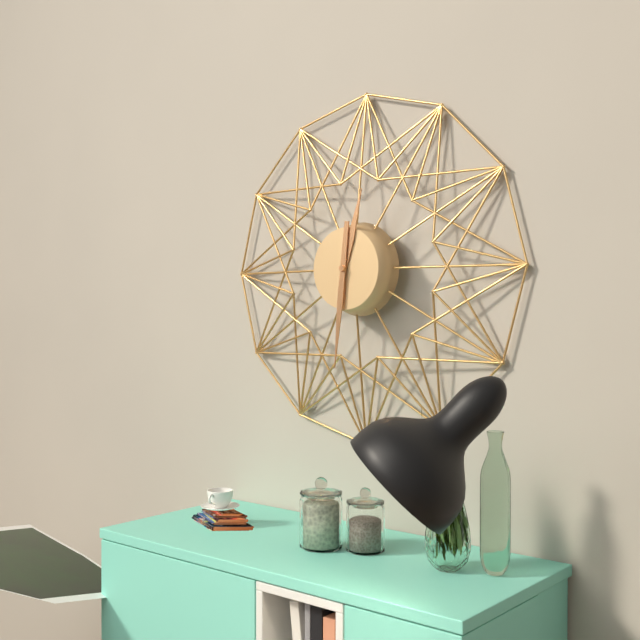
{"hour": 12, "minute": 31}
